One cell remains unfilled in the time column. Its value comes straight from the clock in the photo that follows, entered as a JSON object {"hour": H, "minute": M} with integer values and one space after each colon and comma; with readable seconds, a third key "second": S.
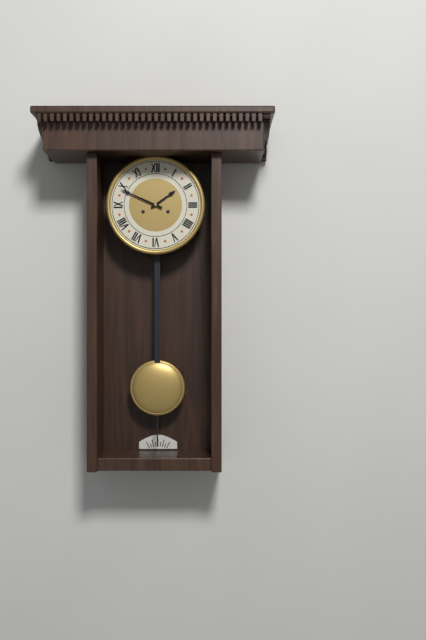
{"hour": 1, "minute": 49}
